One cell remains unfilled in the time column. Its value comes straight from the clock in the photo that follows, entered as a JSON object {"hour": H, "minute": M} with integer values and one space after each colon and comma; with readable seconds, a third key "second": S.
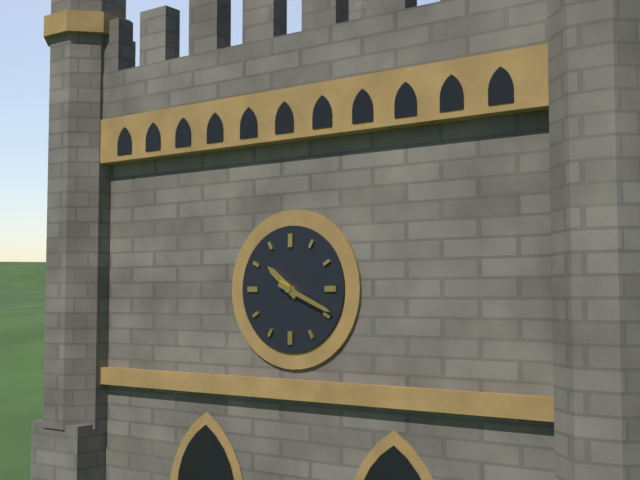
{"hour": 10, "minute": 19}
